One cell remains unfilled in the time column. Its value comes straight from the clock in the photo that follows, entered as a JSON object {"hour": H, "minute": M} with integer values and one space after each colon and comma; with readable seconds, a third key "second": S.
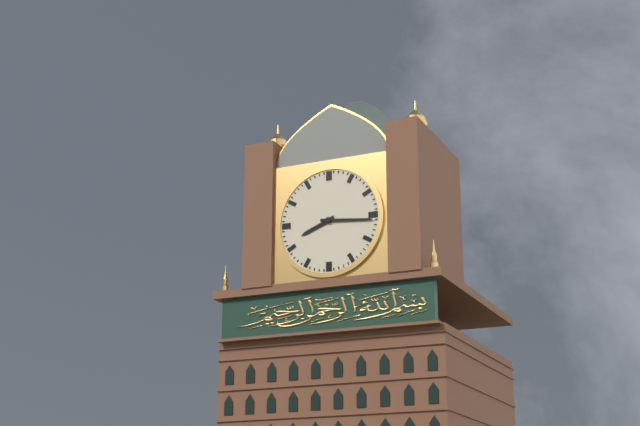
{"hour": 8, "minute": 16}
